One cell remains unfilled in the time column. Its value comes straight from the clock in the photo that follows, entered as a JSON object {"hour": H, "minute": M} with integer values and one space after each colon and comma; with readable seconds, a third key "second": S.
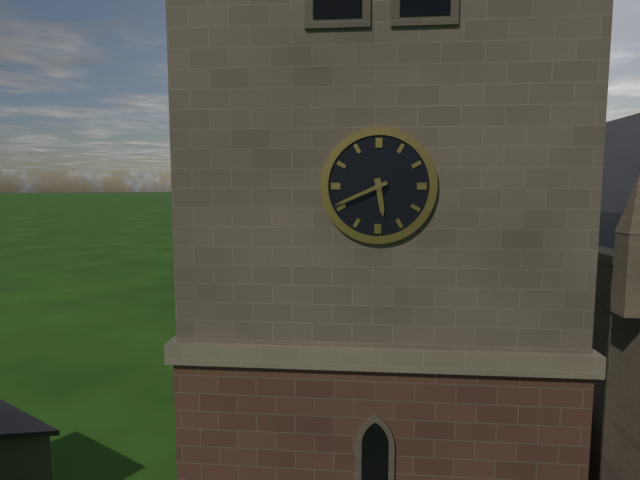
{"hour": 5, "minute": 41}
